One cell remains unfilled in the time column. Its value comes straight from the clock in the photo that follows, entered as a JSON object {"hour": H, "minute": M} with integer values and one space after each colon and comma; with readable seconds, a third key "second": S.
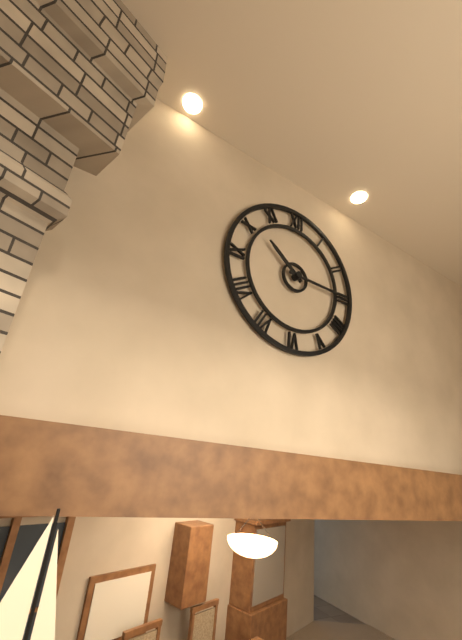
{"hour": 10, "minute": 15}
